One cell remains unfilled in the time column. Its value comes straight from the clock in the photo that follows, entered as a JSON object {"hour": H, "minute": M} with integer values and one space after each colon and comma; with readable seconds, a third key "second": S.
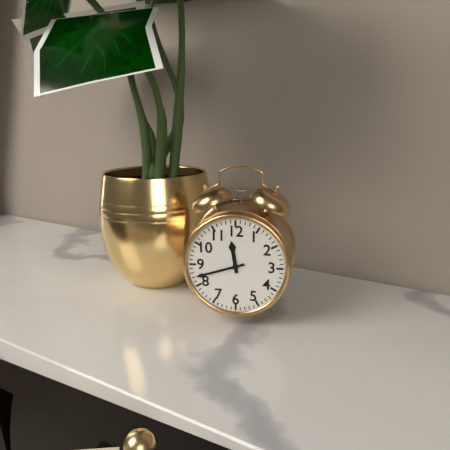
{"hour": 11, "minute": 42}
